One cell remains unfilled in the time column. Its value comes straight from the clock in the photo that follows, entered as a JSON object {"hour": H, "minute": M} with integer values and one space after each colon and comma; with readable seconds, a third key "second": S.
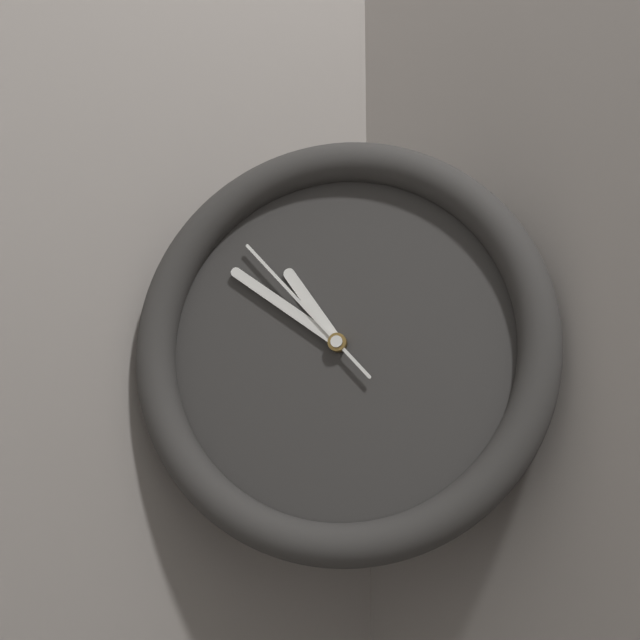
{"hour": 10, "minute": 51, "second": 53}
